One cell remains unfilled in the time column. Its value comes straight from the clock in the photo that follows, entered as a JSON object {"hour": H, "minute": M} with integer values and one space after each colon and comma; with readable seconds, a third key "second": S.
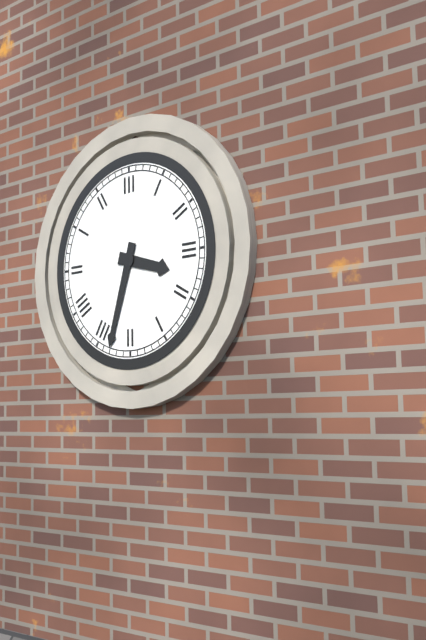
{"hour": 3, "minute": 33}
